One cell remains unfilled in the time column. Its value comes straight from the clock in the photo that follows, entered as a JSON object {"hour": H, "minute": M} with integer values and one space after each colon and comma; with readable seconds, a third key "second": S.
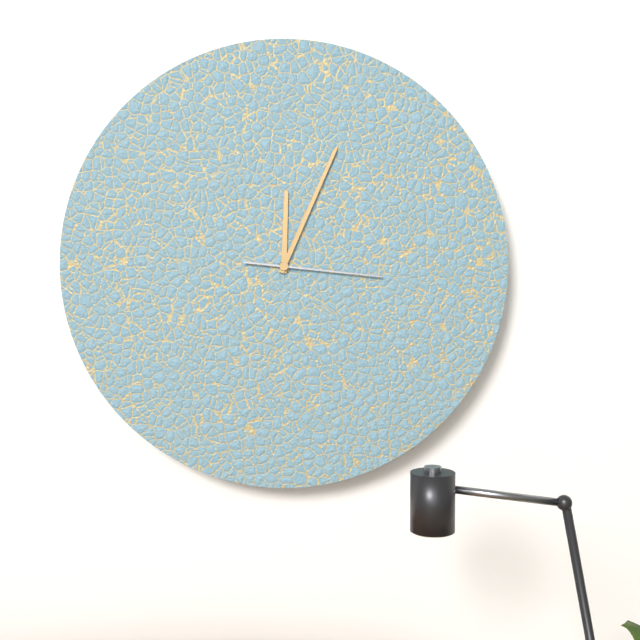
{"hour": 12, "minute": 4, "second": 16}
